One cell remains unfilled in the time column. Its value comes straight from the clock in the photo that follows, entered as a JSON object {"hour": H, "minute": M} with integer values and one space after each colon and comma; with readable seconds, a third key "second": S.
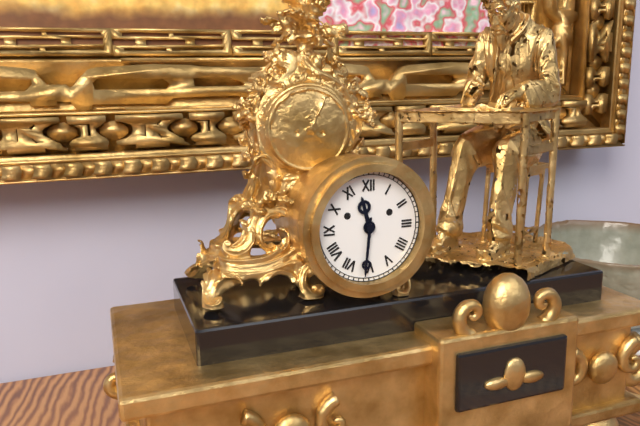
{"hour": 11, "minute": 31}
